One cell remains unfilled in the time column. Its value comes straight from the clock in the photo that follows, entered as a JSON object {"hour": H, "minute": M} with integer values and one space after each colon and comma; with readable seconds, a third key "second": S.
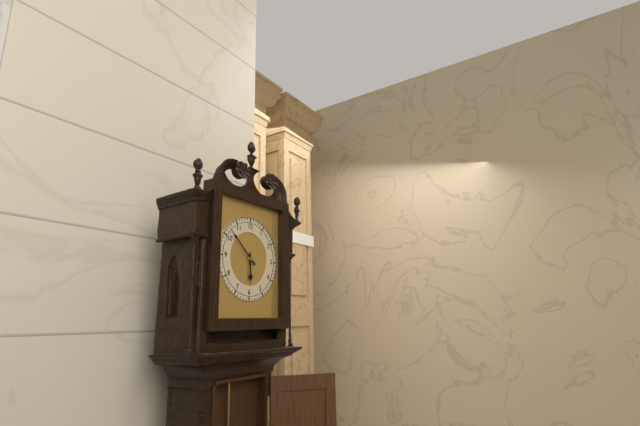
{"hour": 5, "minute": 52}
